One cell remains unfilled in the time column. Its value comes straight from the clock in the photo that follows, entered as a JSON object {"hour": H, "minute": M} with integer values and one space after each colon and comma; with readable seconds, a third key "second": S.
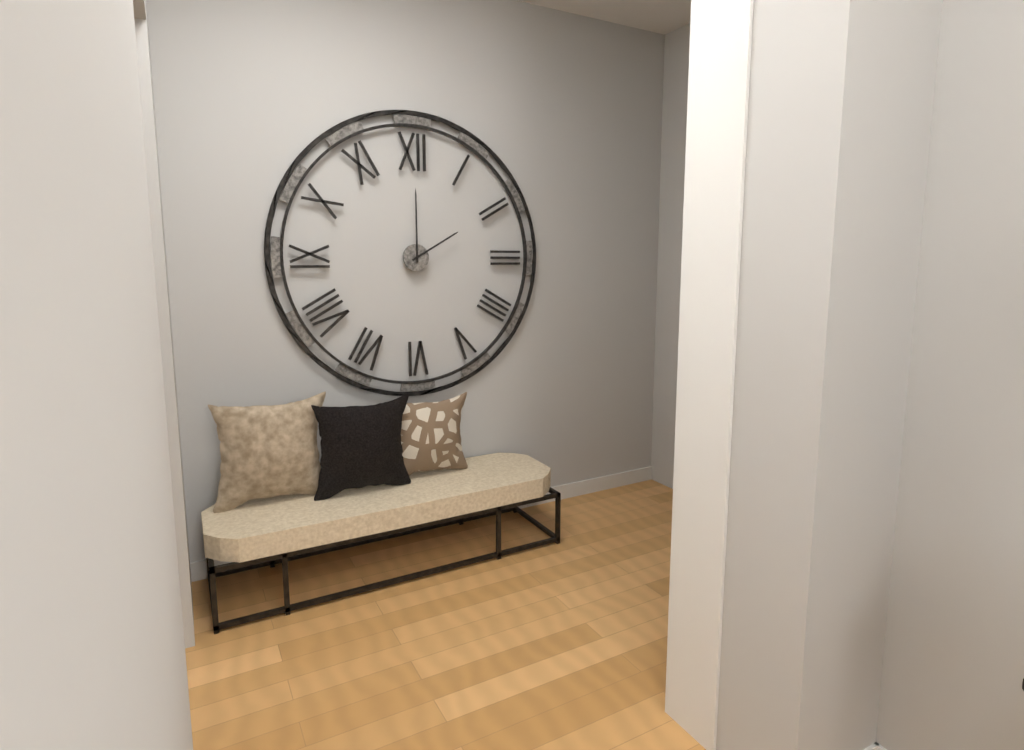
{"hour": 2, "minute": 0}
